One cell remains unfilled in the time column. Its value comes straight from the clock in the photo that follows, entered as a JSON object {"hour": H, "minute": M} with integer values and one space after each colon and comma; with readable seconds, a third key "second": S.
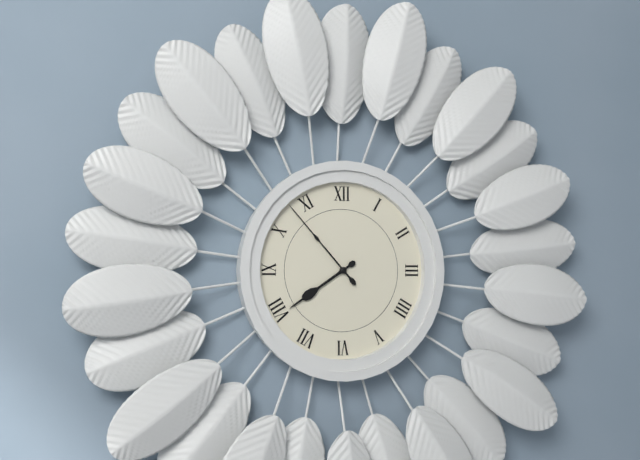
{"hour": 7, "minute": 53}
